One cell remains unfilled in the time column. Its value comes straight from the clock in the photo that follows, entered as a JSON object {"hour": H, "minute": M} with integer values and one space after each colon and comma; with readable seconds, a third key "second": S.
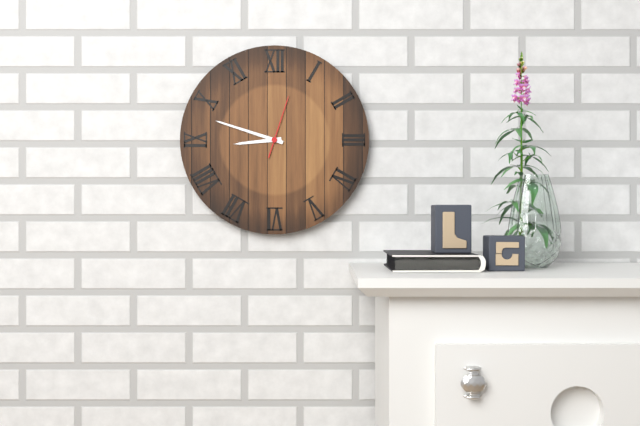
{"hour": 8, "minute": 48, "second": 3}
